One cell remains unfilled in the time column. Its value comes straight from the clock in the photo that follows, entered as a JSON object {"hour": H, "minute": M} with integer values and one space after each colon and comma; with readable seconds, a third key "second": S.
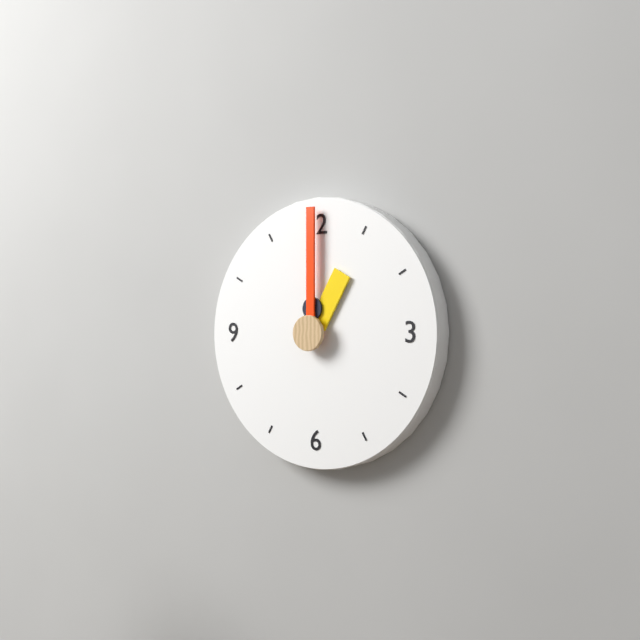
{"hour": 1, "minute": 0}
